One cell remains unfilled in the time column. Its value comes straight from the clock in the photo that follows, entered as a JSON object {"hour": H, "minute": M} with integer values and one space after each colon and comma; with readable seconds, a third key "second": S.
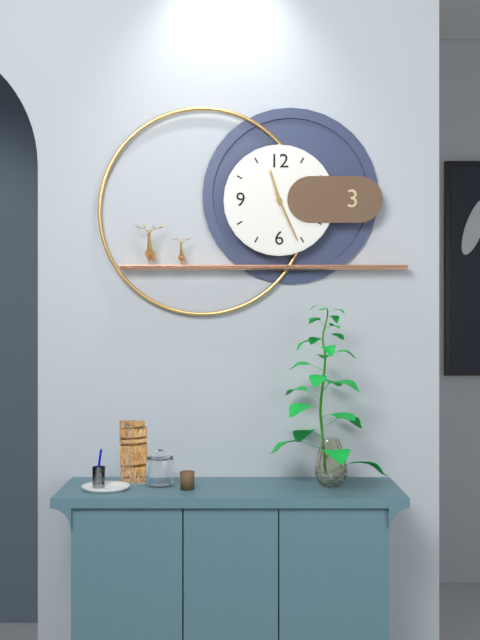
{"hour": 11, "minute": 26}
